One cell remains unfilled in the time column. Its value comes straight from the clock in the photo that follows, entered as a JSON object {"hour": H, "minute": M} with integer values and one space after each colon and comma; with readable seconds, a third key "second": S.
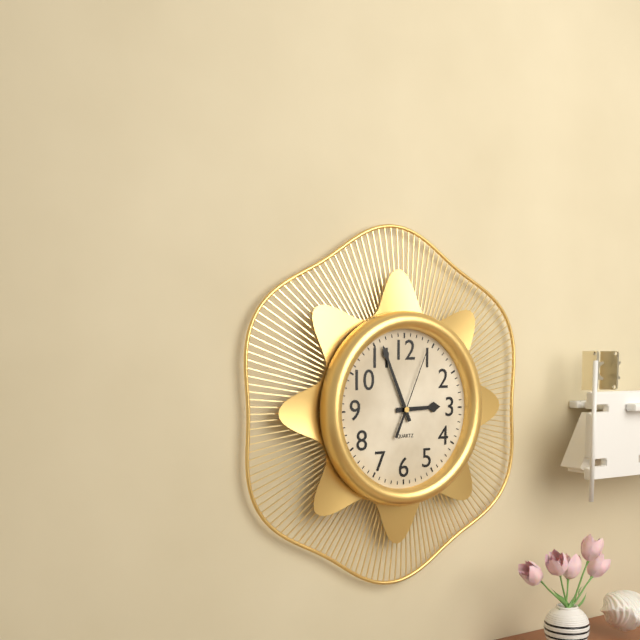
{"hour": 2, "minute": 56, "second": 4}
